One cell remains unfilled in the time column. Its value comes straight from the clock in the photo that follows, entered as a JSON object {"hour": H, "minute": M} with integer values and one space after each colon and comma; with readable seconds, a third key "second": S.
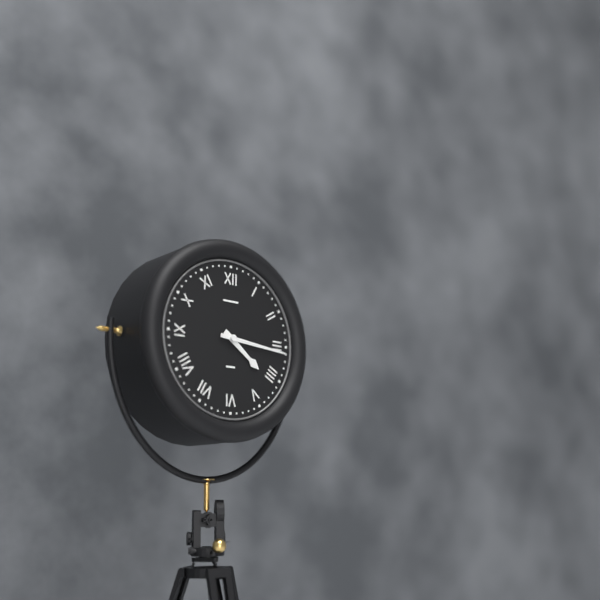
{"hour": 4, "minute": 16}
